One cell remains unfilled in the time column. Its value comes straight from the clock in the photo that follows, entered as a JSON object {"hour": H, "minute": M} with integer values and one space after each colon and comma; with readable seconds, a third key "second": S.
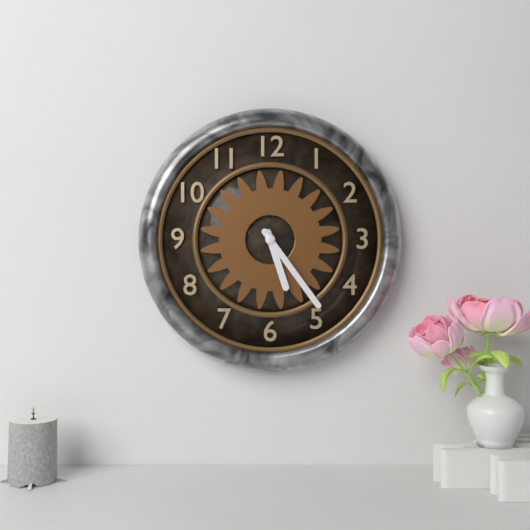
{"hour": 5, "minute": 24}
